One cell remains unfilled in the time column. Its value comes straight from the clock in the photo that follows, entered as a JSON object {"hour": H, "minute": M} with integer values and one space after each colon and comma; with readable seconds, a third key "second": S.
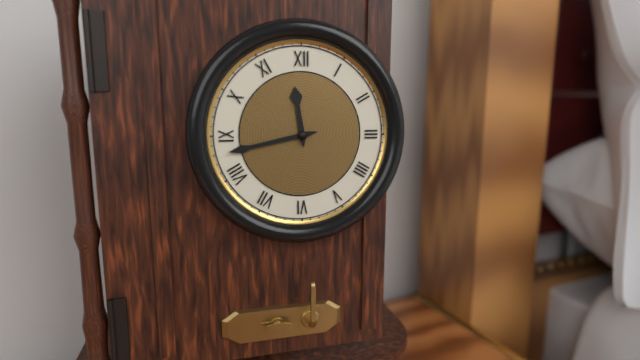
{"hour": 11, "minute": 43}
